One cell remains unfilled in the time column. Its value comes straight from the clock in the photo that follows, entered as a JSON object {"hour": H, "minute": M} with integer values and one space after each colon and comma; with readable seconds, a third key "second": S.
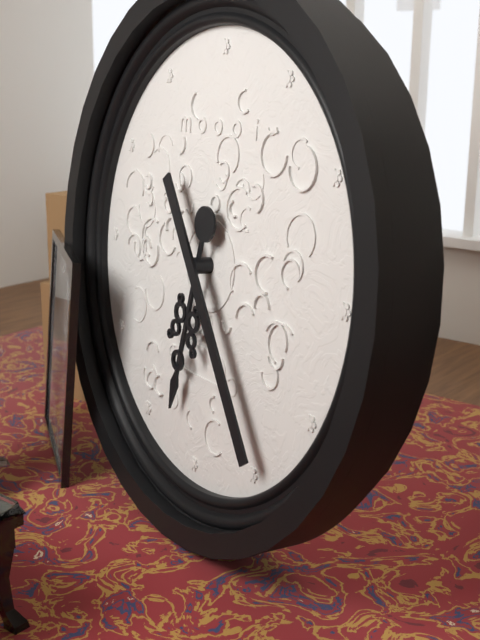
{"hour": 6, "minute": 24}
